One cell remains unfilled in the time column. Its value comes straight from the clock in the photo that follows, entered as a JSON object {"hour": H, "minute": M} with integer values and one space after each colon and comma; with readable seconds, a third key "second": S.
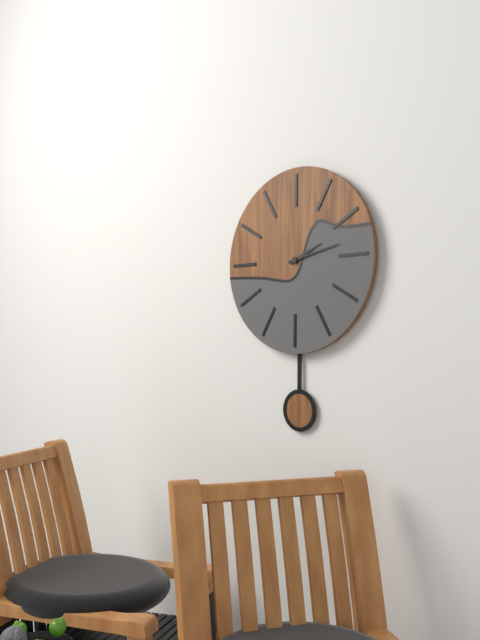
{"hour": 2, "minute": 13}
